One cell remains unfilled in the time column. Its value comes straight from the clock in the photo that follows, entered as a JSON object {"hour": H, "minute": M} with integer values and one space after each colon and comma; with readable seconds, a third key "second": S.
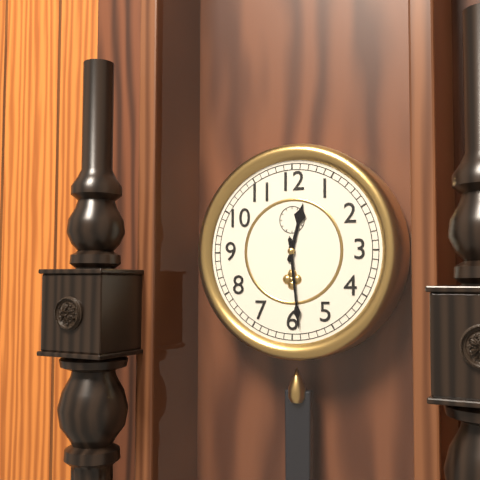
{"hour": 12, "minute": 29}
